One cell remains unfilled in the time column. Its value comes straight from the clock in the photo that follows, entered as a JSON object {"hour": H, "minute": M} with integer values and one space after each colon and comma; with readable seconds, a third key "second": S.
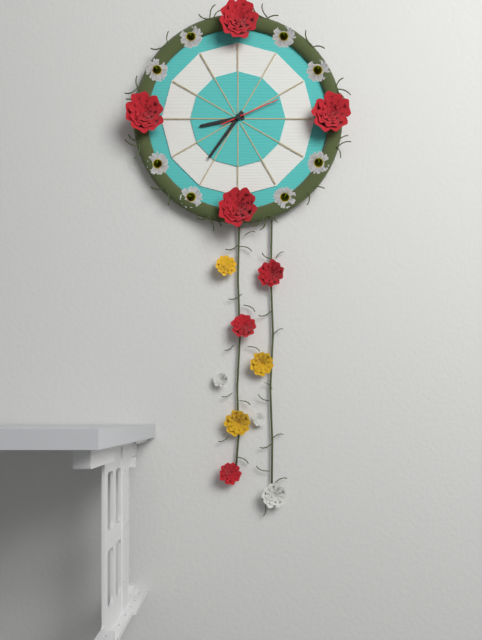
{"hour": 8, "minute": 36, "second": 11}
